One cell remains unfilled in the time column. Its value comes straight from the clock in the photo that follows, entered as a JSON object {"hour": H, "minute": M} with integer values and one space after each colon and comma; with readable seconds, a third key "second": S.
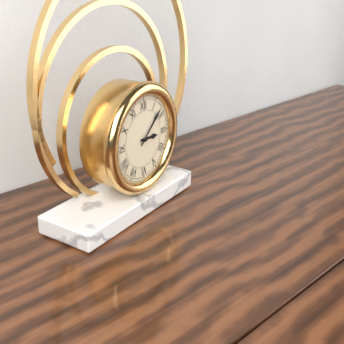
{"hour": 3, "minute": 8}
